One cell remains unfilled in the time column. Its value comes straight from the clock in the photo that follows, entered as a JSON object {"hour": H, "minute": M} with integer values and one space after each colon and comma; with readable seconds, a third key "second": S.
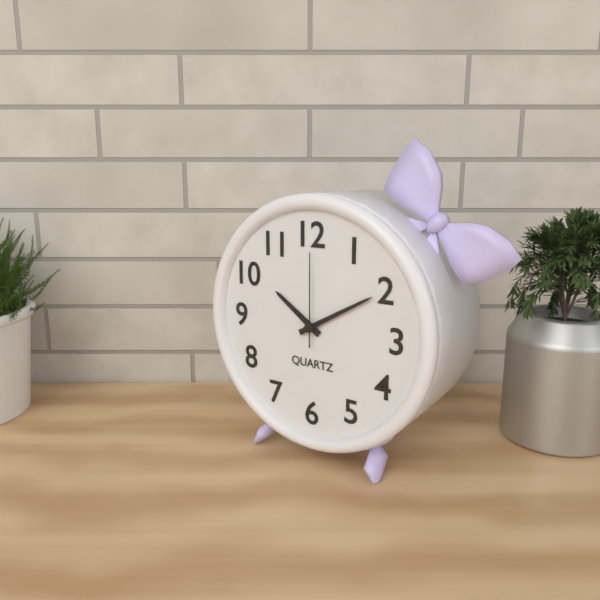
{"hour": 10, "minute": 10, "second": 0}
